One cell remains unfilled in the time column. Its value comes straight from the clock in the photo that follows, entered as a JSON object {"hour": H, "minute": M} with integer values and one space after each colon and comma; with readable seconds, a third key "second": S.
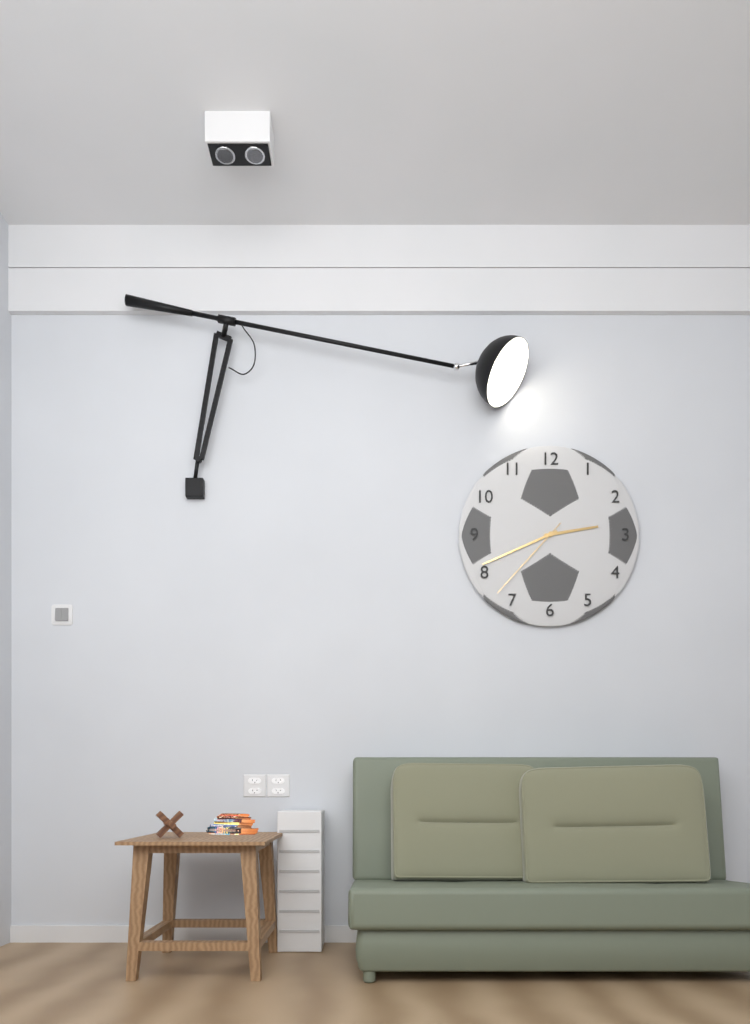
{"hour": 2, "minute": 41, "second": 37}
